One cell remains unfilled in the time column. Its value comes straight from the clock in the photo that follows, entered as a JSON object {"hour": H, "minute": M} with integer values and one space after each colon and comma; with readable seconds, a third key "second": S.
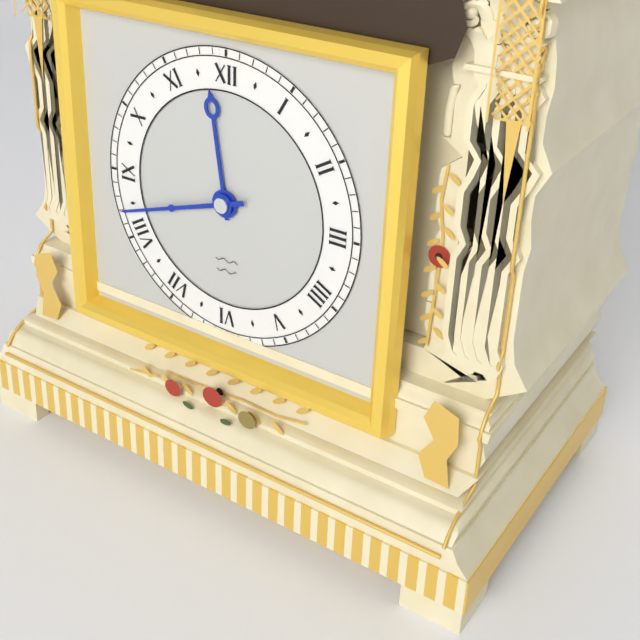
{"hour": 11, "minute": 42}
